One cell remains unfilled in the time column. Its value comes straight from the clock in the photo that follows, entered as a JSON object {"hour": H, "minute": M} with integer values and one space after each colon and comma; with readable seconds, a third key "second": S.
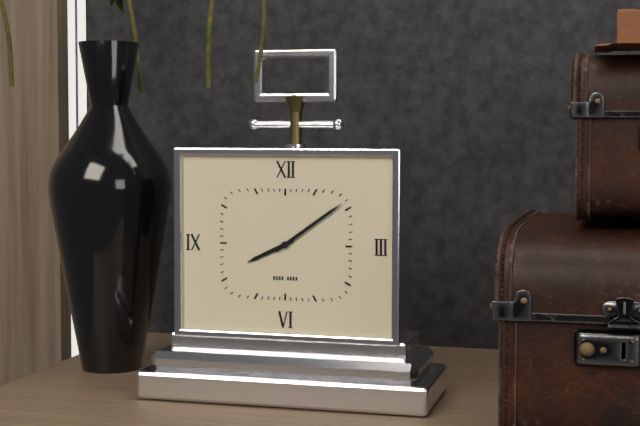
{"hour": 8, "minute": 9}
